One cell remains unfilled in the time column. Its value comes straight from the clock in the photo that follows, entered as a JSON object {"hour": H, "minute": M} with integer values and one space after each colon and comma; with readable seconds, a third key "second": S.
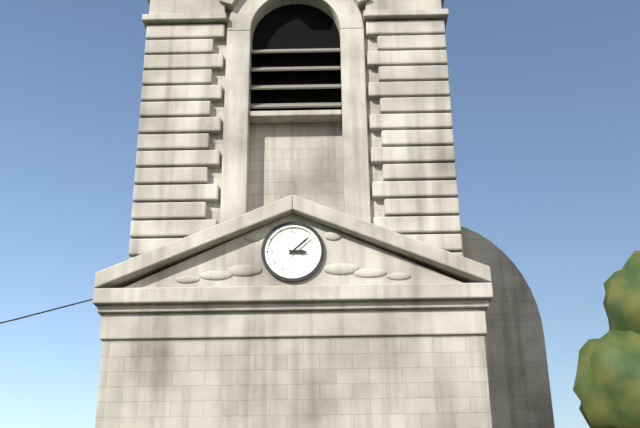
{"hour": 3, "minute": 8}
